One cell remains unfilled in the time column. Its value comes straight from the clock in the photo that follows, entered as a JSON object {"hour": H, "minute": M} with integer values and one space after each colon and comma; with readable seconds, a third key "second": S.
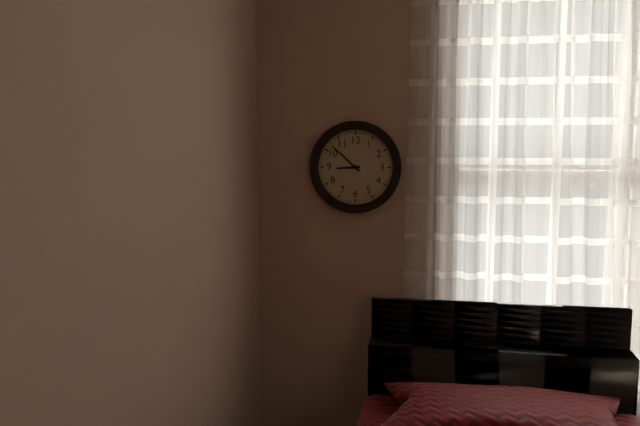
{"hour": 8, "minute": 52}
